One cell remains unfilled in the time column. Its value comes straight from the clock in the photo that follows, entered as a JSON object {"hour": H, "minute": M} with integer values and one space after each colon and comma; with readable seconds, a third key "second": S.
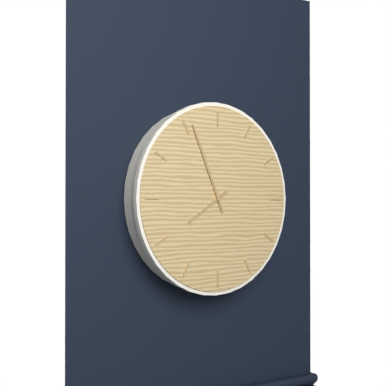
{"hour": 7, "minute": 56}
